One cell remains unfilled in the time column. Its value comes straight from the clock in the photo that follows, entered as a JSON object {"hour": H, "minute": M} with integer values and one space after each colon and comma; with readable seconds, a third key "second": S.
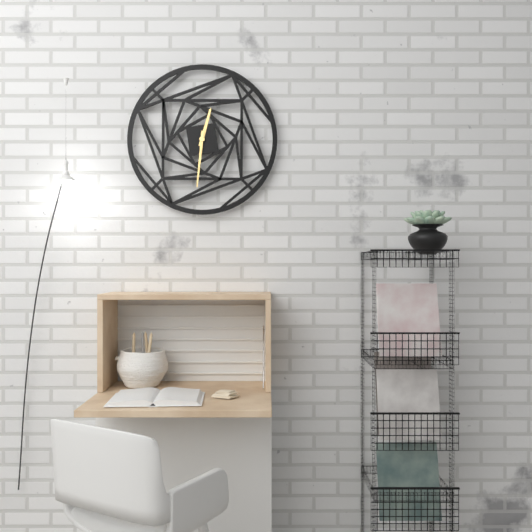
{"hour": 12, "minute": 31}
